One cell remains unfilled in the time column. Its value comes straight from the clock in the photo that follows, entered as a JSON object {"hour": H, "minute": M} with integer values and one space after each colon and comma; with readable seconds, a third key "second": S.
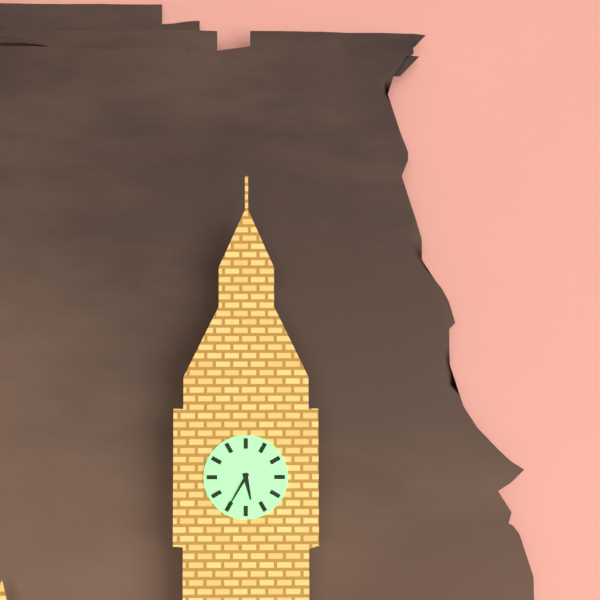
{"hour": 5, "minute": 35}
